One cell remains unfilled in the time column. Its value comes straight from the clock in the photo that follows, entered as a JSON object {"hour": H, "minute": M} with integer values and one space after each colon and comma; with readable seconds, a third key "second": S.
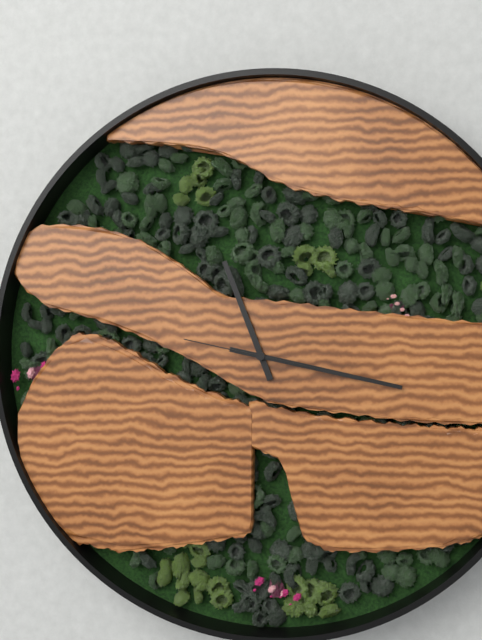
{"hour": 11, "minute": 17, "second": 47}
